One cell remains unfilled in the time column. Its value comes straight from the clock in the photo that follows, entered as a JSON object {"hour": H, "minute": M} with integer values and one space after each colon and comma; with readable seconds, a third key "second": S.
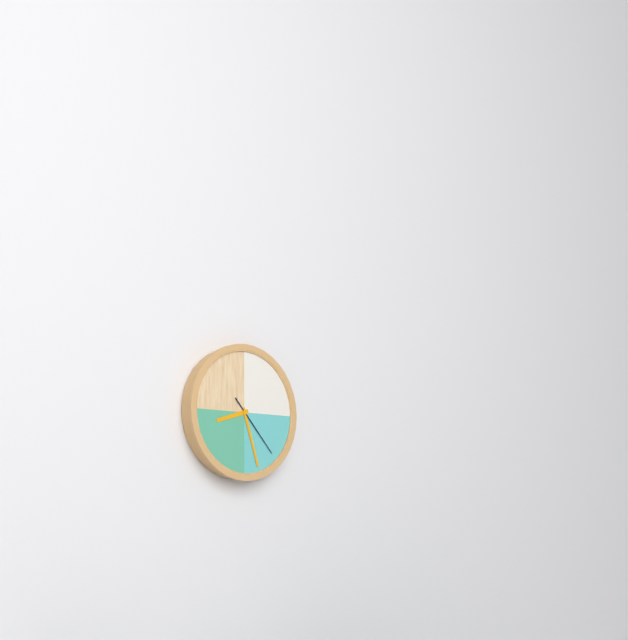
{"hour": 8, "minute": 27, "second": 23}
